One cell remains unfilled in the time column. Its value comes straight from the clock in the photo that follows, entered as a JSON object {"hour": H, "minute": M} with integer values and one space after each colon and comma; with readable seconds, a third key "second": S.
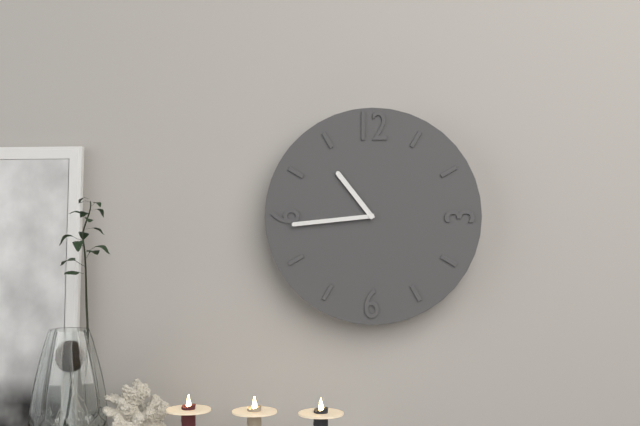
{"hour": 10, "minute": 44}
